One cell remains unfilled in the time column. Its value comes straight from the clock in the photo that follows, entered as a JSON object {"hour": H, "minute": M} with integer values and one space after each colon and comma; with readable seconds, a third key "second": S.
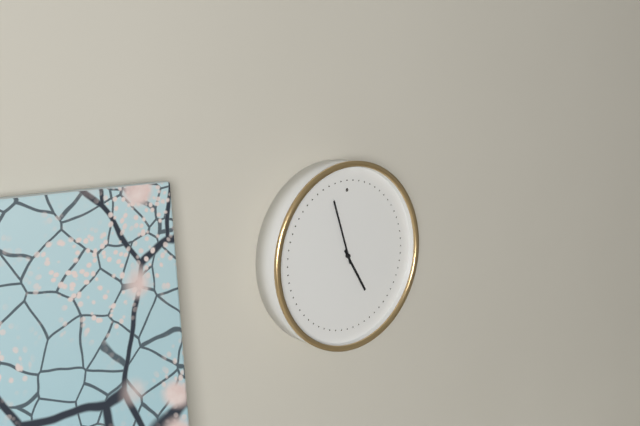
{"hour": 4, "minute": 57}
